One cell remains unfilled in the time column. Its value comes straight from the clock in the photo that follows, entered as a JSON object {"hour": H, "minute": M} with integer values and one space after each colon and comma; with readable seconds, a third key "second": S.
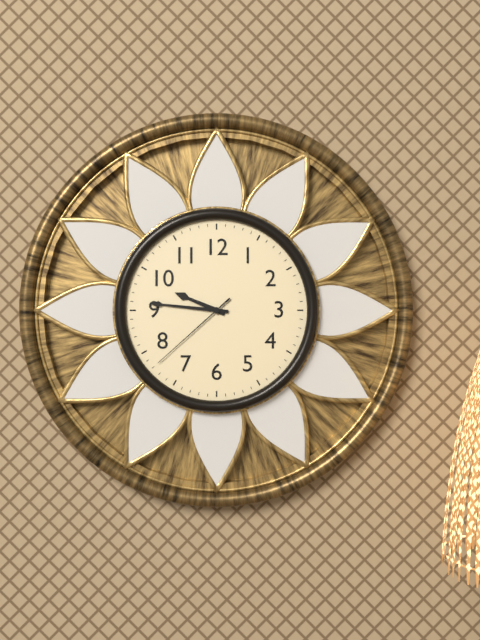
{"hour": 9, "minute": 46, "second": 38}
